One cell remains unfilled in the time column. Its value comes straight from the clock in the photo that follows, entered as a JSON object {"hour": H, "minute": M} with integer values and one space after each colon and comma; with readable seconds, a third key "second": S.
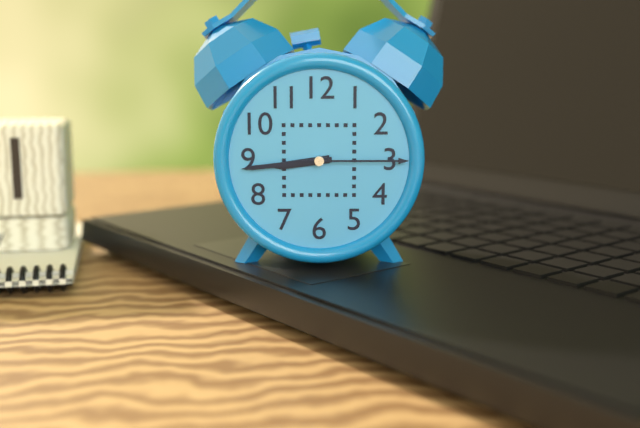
{"hour": 8, "minute": 44, "second": 15}
